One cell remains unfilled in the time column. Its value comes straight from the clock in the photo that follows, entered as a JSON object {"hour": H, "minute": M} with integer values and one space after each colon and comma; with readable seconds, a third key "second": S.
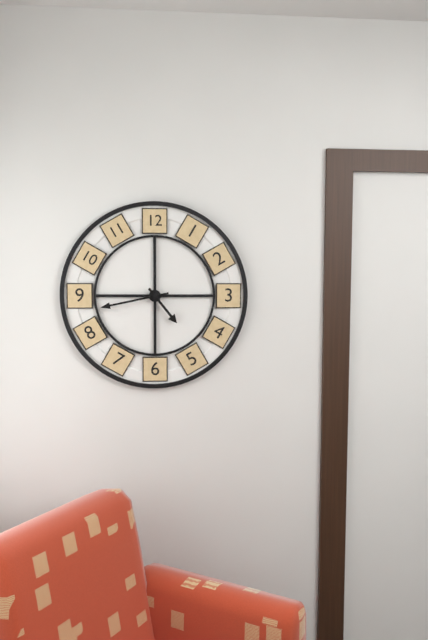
{"hour": 4, "minute": 43}
